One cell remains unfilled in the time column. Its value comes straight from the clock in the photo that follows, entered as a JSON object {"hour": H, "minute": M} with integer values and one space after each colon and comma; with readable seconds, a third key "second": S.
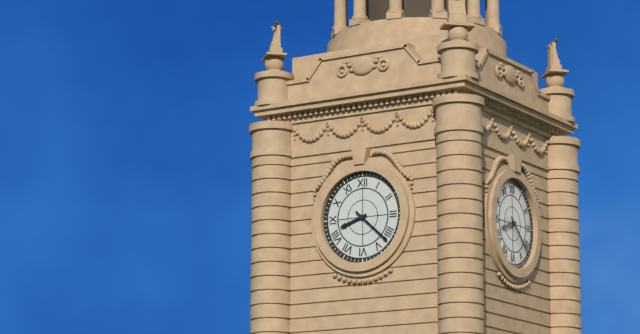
{"hour": 8, "minute": 22}
